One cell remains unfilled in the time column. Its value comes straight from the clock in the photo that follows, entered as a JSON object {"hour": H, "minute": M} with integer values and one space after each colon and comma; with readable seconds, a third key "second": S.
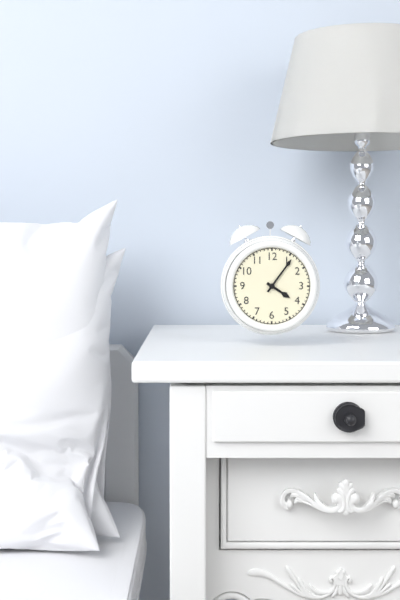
{"hour": 4, "minute": 6}
